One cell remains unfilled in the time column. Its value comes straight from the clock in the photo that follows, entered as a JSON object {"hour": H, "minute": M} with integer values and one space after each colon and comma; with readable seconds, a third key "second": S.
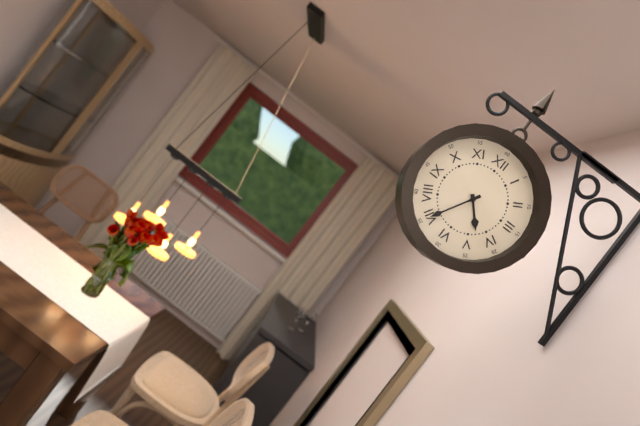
{"hour": 4, "minute": 35}
